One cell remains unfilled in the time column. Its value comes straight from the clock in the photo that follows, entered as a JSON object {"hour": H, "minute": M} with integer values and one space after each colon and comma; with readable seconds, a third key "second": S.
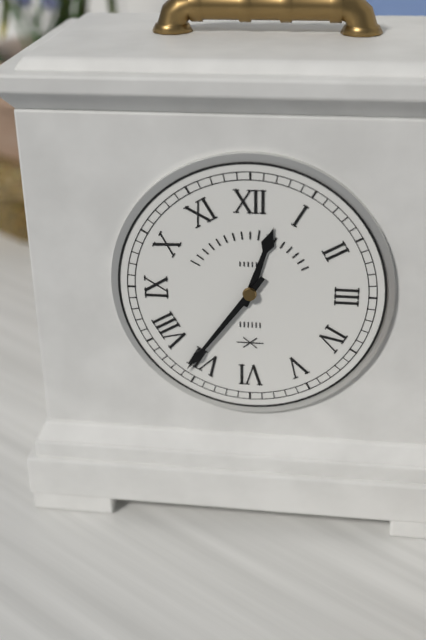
{"hour": 12, "minute": 36}
